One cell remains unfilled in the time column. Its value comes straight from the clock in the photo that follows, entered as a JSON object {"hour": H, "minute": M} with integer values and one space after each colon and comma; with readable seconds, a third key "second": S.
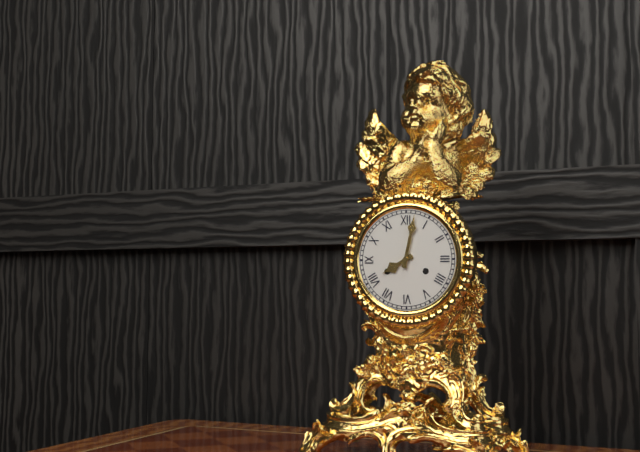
{"hour": 8, "minute": 2}
